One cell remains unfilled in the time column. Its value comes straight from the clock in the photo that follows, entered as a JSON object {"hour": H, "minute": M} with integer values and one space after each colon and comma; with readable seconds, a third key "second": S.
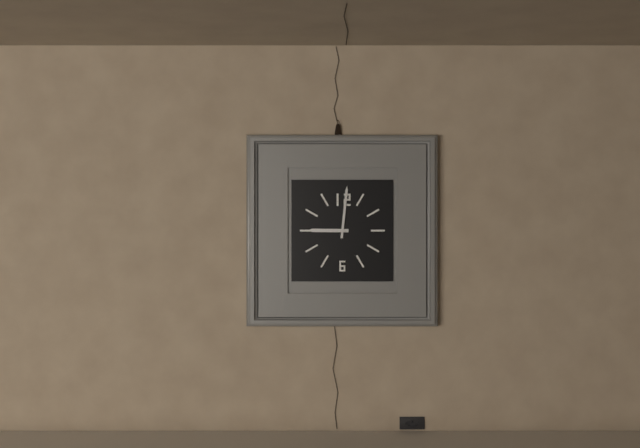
{"hour": 9, "minute": 1}
